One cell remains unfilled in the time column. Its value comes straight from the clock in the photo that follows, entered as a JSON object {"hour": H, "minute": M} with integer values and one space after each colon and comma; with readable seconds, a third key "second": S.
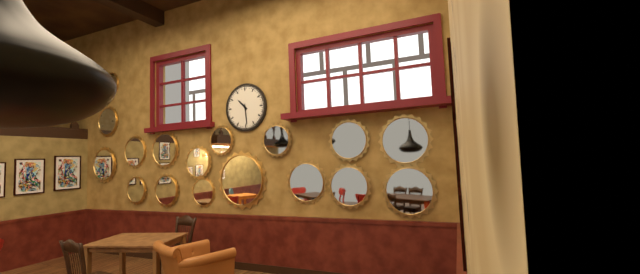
{"hour": 10, "minute": 29}
